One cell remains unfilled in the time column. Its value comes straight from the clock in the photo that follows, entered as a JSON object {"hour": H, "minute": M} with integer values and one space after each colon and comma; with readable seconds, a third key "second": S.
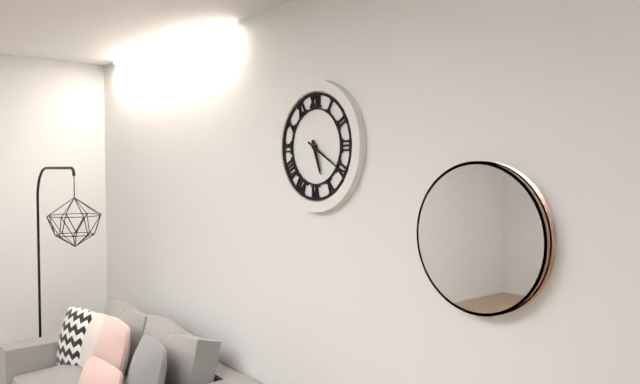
{"hour": 5, "minute": 20}
